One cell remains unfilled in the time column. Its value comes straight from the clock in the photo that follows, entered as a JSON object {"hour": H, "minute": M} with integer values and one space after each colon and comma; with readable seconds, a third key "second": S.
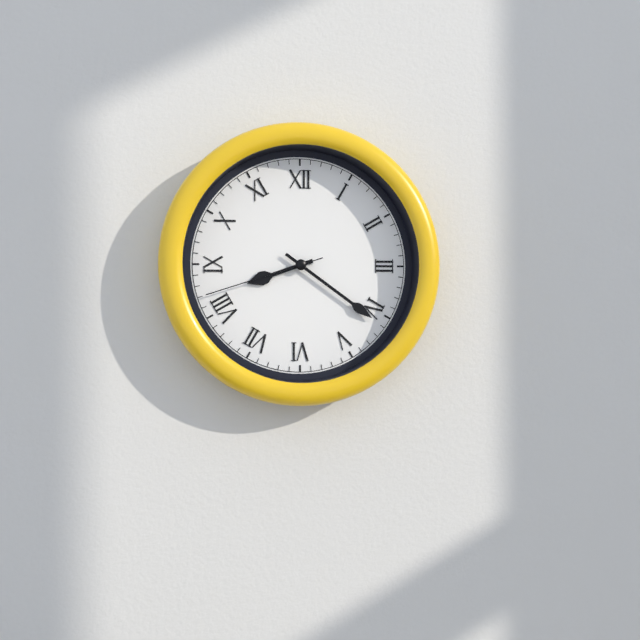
{"hour": 8, "minute": 21, "second": 42}
